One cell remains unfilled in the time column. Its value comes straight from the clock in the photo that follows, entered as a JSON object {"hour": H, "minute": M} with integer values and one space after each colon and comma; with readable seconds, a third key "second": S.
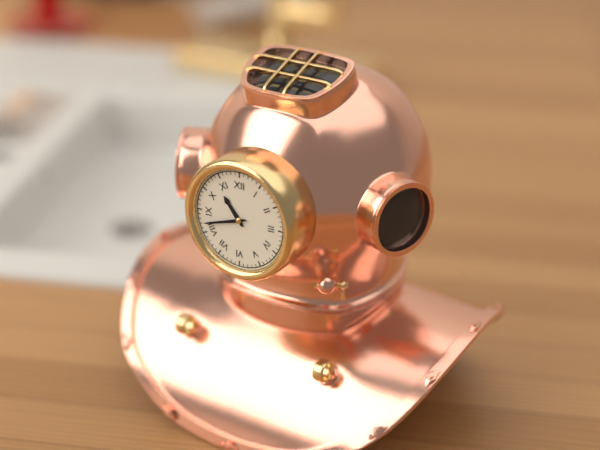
{"hour": 10, "minute": 42}
